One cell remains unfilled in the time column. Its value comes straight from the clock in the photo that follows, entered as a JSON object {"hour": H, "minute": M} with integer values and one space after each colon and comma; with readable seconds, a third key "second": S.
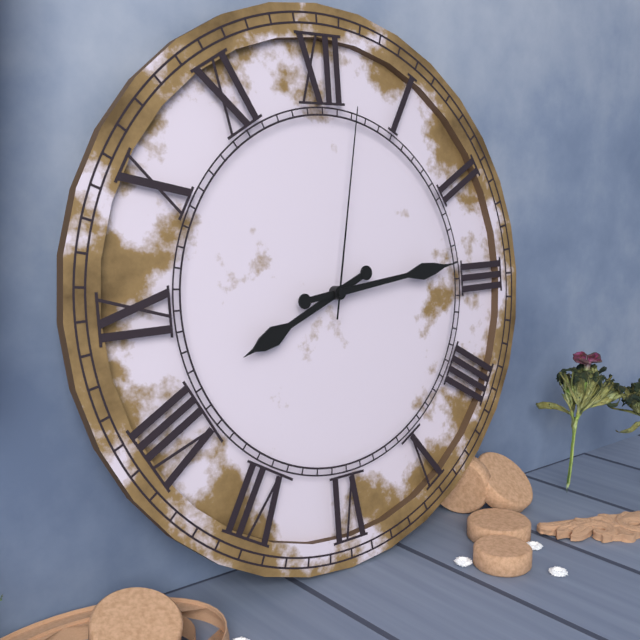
{"hour": 8, "minute": 14, "second": 2}
